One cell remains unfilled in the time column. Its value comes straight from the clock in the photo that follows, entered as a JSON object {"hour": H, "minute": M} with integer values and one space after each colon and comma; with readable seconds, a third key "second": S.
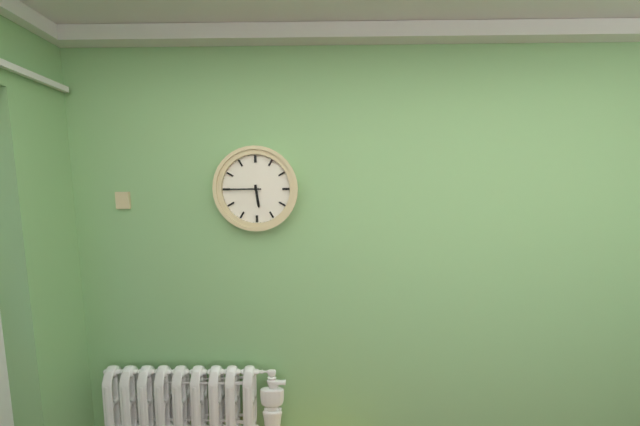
{"hour": 5, "minute": 45}
